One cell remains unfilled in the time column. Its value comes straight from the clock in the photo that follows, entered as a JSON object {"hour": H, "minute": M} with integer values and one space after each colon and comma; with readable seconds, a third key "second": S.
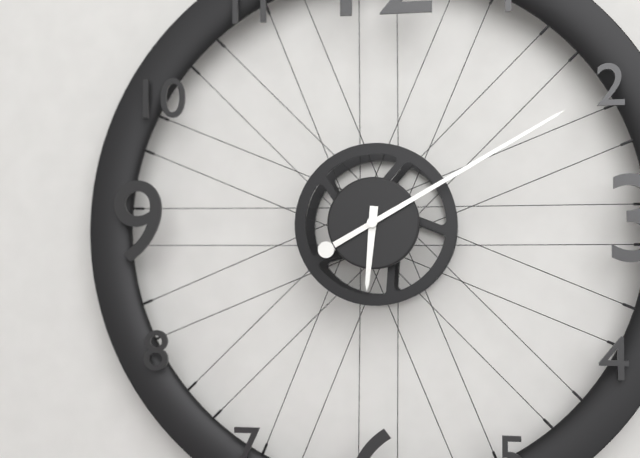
{"hour": 6, "minute": 10}
